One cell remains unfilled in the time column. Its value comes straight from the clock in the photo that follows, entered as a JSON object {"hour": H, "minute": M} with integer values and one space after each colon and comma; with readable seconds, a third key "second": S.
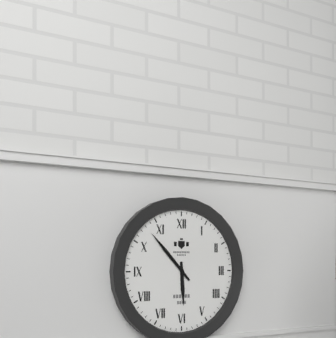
{"hour": 5, "minute": 53}
